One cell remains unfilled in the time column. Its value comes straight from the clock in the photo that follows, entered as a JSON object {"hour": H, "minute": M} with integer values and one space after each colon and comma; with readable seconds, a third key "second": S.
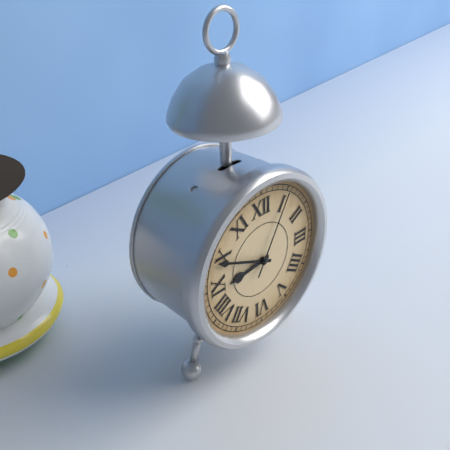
{"hour": 8, "minute": 49, "second": 5}
